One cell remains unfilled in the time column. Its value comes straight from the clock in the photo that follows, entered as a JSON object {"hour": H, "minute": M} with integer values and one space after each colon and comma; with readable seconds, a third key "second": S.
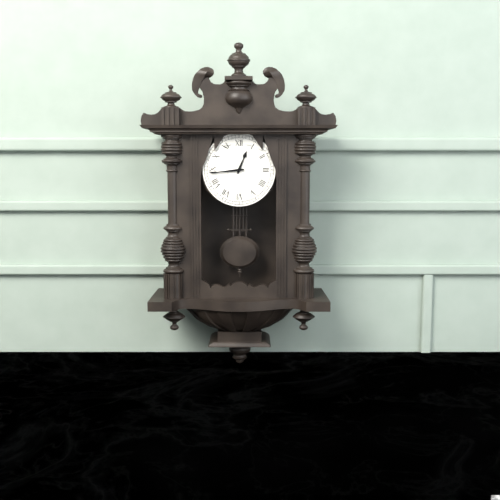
{"hour": 12, "minute": 44}
